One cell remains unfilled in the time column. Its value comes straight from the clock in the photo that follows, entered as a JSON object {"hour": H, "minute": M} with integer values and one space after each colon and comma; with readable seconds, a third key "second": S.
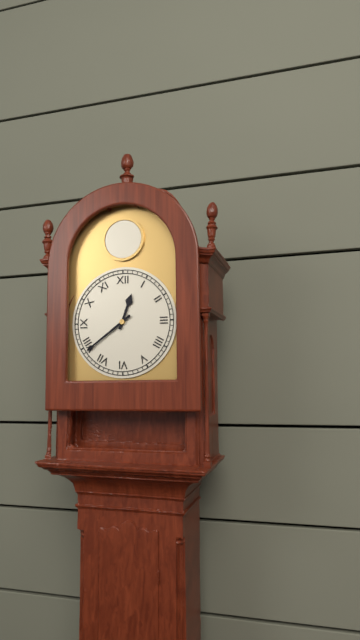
{"hour": 12, "minute": 39}
